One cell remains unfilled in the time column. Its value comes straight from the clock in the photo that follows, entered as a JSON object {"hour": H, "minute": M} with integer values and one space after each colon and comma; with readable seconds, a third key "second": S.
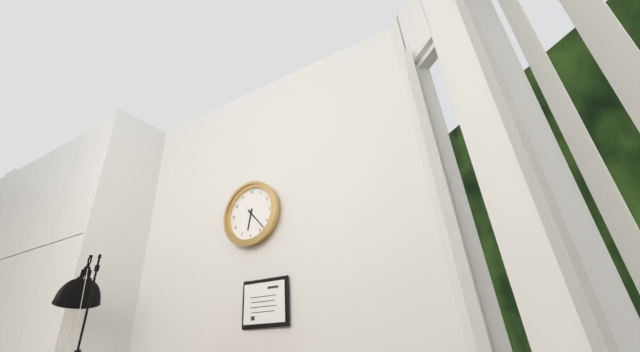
{"hour": 6, "minute": 23}
